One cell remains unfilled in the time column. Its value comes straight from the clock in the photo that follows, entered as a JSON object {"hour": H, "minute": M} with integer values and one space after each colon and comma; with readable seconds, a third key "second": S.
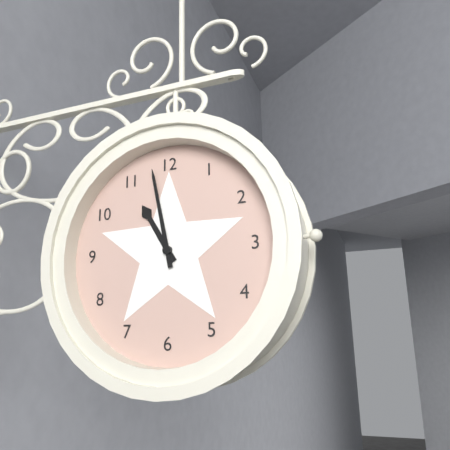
{"hour": 10, "minute": 58}
